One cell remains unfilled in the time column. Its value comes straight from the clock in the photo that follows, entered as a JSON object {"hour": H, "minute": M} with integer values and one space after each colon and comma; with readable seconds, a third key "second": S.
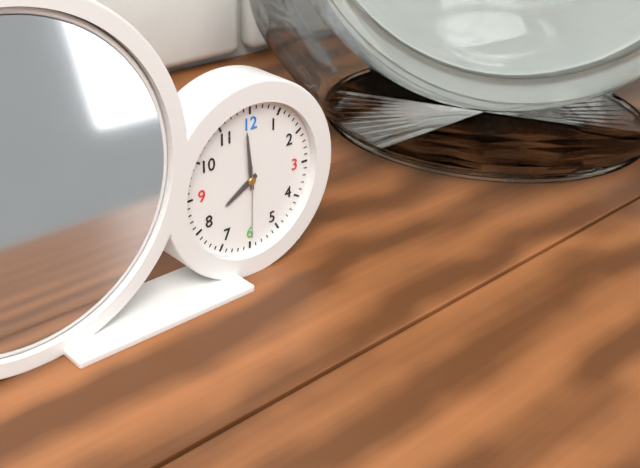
{"hour": 7, "minute": 59, "second": 30}
